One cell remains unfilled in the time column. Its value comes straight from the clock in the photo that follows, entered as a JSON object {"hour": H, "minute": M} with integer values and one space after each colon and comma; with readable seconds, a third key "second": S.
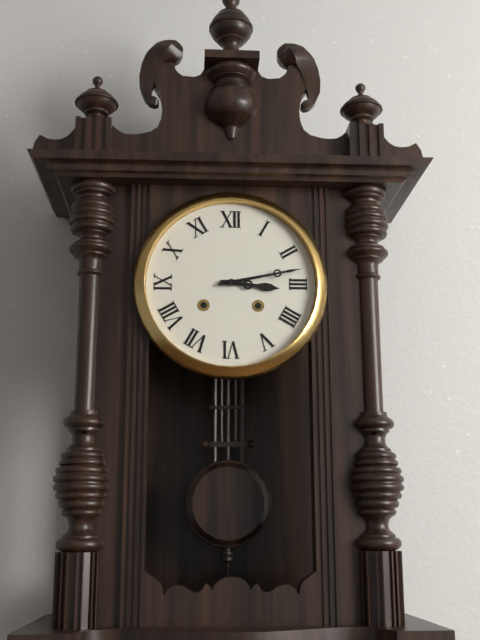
{"hour": 3, "minute": 13}
